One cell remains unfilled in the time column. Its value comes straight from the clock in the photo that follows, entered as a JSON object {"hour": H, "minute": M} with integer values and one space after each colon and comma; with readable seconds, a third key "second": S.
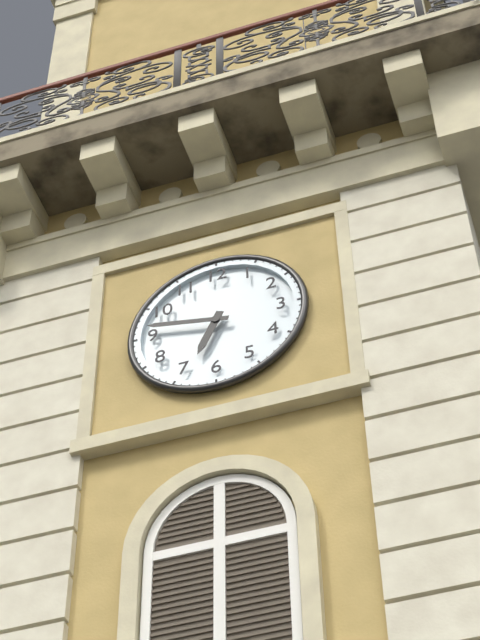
{"hour": 6, "minute": 47}
